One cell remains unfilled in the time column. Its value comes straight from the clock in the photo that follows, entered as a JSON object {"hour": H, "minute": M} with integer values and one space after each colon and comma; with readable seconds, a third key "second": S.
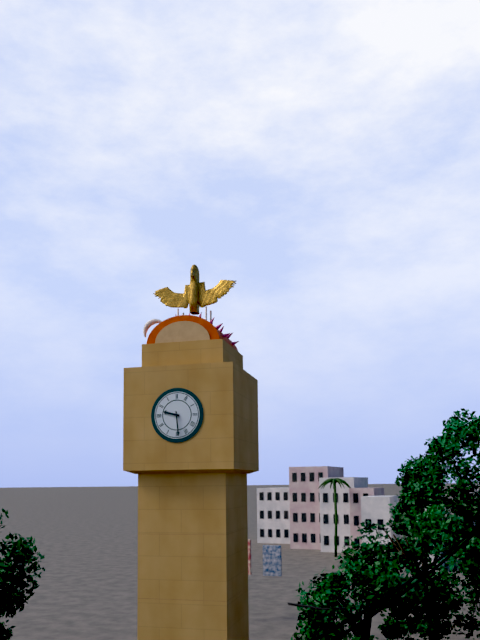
{"hour": 9, "minute": 29}
